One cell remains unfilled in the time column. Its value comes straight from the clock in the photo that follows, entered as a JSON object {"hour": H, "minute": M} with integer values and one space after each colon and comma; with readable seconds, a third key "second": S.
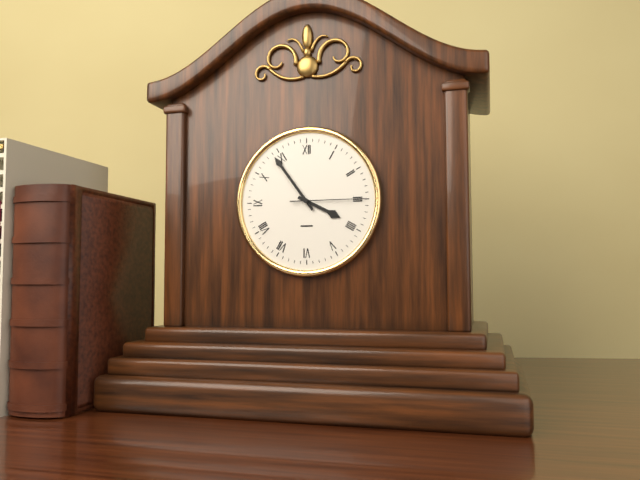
{"hour": 3, "minute": 54, "second": 15}
